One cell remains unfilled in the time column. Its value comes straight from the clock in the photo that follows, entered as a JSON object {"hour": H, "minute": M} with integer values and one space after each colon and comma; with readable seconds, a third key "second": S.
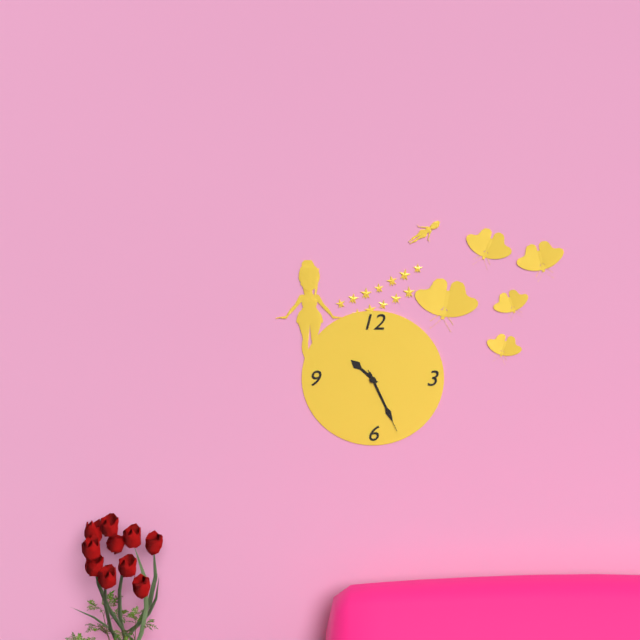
{"hour": 10, "minute": 26, "second": 26}
